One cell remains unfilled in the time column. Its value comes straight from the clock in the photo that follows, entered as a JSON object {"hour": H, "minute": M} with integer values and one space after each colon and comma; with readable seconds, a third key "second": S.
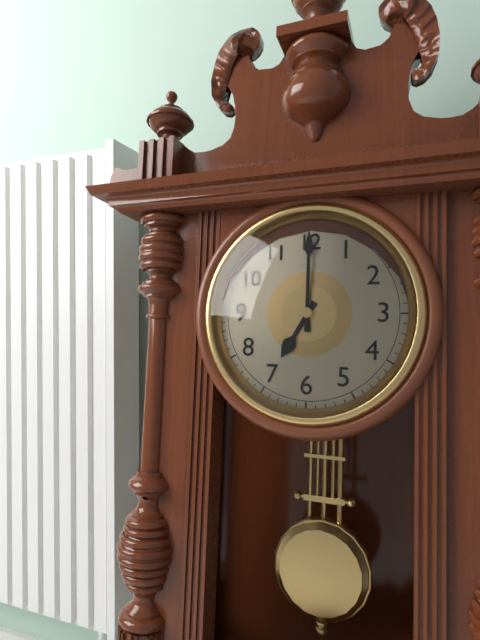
{"hour": 7, "minute": 0}
